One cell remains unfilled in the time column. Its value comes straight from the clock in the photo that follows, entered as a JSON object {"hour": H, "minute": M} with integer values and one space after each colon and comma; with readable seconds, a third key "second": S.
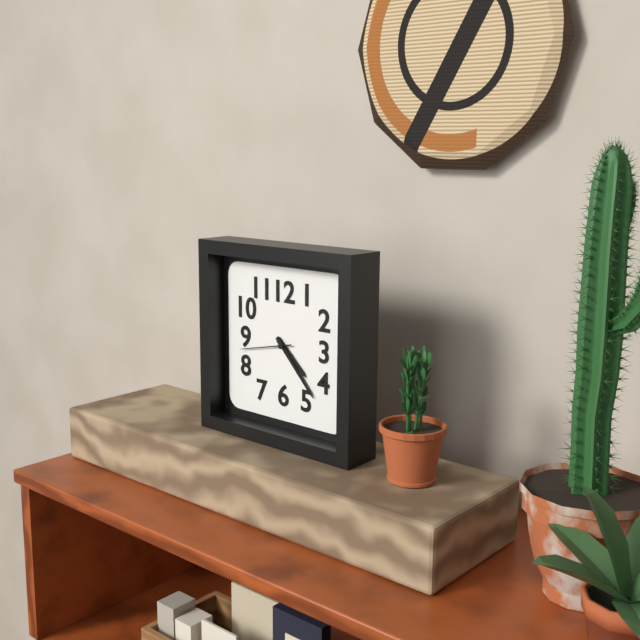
{"hour": 4, "minute": 23, "second": 43}
